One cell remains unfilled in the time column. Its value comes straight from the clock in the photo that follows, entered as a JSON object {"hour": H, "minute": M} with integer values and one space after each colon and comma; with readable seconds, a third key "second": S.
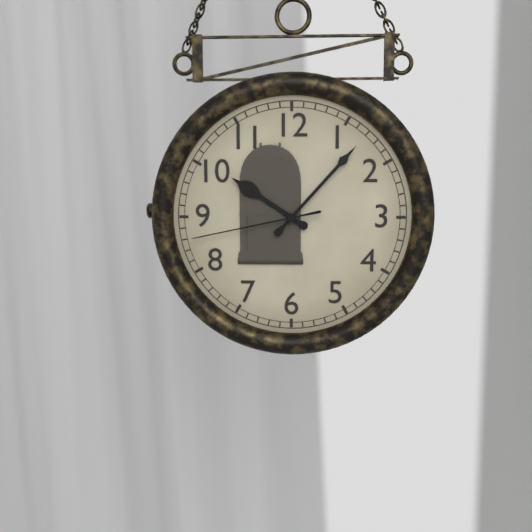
{"hour": 10, "minute": 7, "second": 43}
